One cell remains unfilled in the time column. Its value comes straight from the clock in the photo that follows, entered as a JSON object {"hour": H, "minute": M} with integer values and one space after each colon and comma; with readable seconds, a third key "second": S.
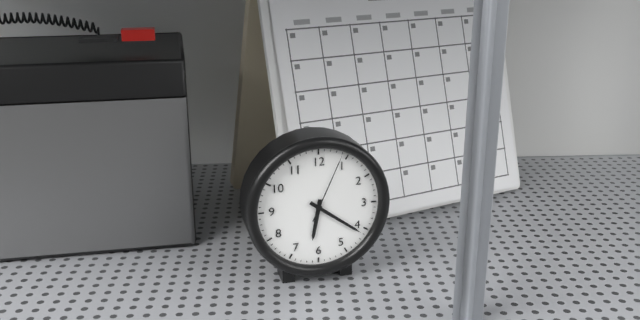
{"hour": 6, "minute": 21, "second": 4}
